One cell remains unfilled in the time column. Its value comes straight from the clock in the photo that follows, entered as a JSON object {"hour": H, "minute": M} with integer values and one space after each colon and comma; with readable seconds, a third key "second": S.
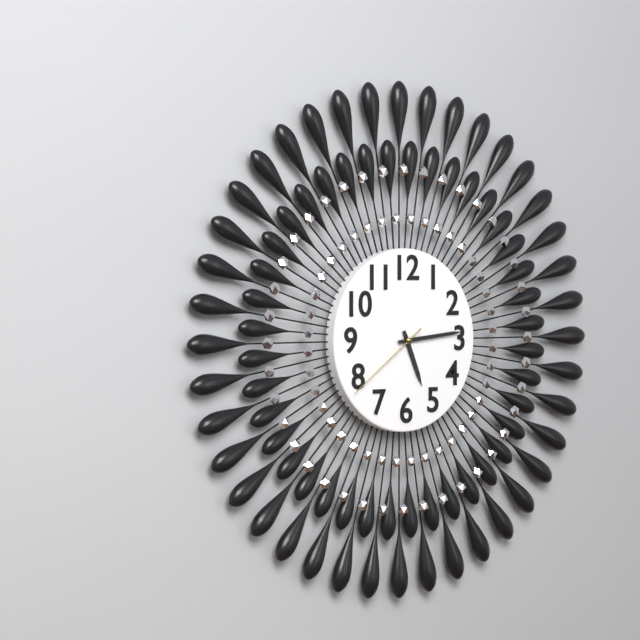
{"hour": 5, "minute": 14, "second": 39}
